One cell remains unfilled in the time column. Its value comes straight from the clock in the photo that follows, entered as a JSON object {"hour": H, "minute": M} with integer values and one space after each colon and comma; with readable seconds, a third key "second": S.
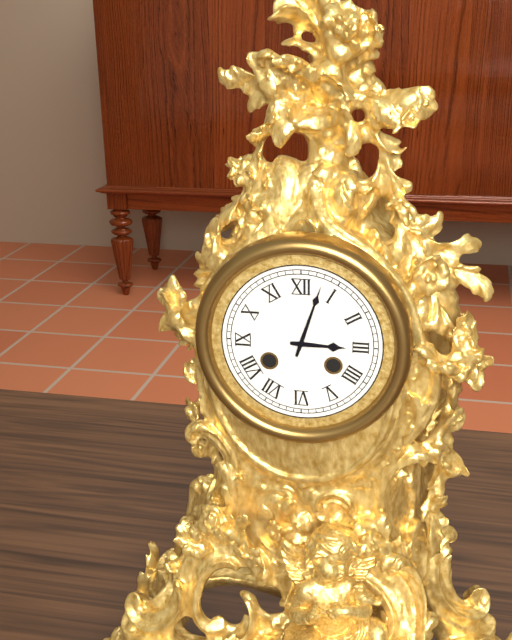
{"hour": 3, "minute": 3}
